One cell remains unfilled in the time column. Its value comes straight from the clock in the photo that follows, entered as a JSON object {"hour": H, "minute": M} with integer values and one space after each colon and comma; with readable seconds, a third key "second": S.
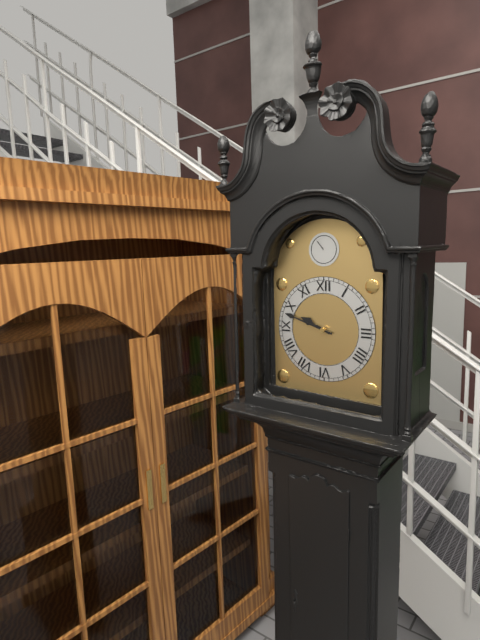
{"hour": 9, "minute": 48}
